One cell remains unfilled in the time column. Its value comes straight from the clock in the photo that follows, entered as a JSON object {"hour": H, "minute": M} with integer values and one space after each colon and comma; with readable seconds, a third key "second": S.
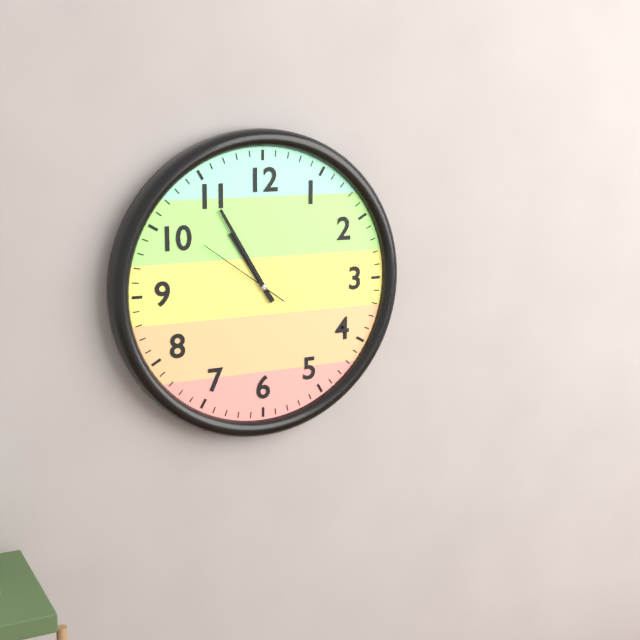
{"hour": 10, "minute": 55, "second": 51}
